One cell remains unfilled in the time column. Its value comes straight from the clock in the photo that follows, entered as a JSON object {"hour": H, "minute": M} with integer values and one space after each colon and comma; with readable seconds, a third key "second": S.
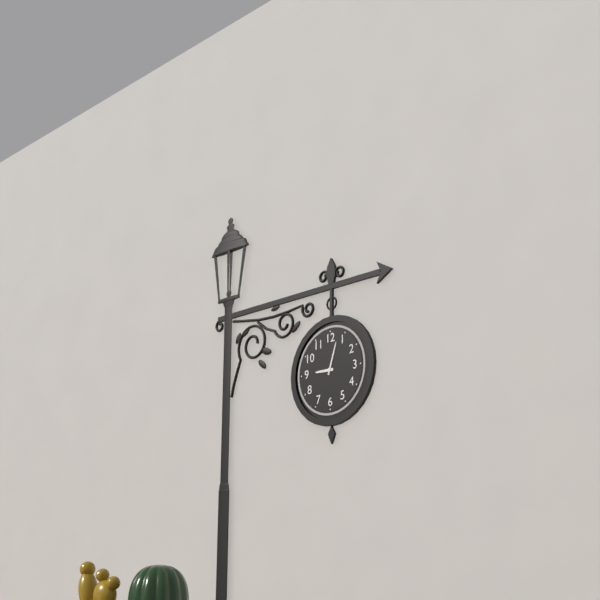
{"hour": 9, "minute": 3}
